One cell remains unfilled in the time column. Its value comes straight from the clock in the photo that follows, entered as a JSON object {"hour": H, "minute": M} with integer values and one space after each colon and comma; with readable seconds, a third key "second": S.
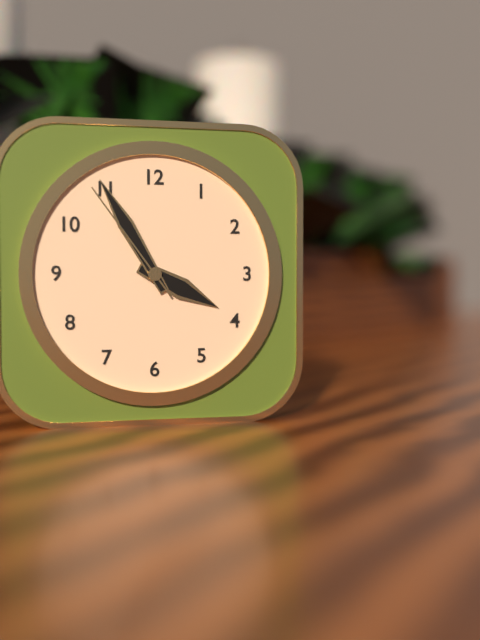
{"hour": 3, "minute": 55, "second": 54}
